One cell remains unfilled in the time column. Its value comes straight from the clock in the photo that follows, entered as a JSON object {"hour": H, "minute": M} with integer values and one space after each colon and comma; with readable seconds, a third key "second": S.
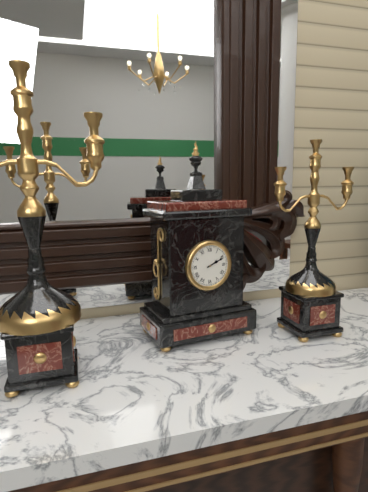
{"hour": 2, "minute": 11}
